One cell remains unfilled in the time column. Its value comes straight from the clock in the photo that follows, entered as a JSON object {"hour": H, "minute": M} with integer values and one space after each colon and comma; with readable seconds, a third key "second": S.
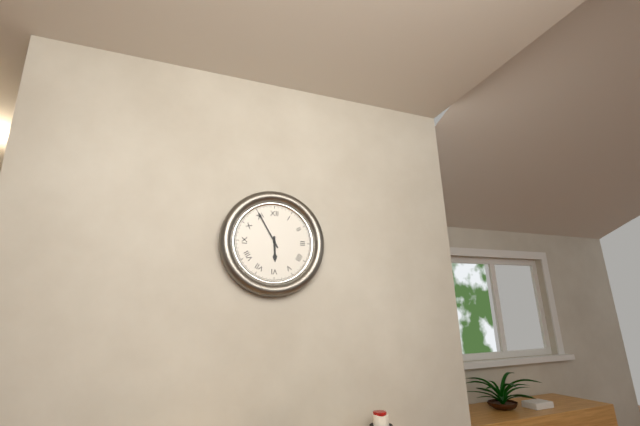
{"hour": 5, "minute": 55}
